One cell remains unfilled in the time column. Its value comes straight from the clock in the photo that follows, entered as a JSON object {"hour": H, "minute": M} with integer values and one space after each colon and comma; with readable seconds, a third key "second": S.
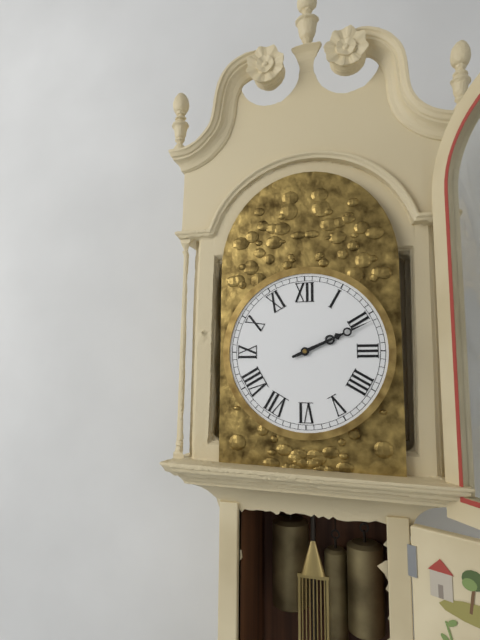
{"hour": 2, "minute": 11}
